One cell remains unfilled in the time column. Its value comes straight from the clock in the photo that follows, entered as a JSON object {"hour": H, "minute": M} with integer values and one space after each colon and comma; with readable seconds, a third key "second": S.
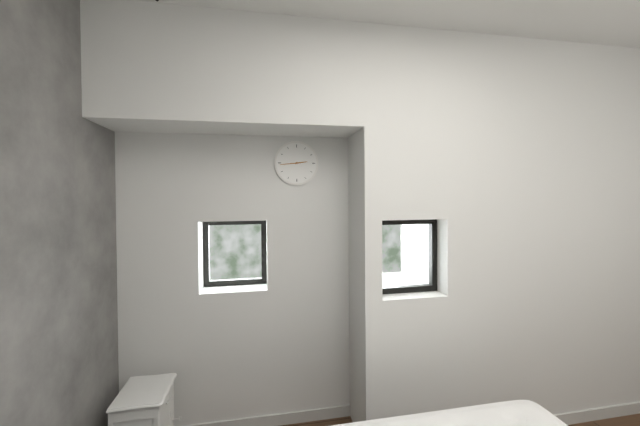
{"hour": 2, "minute": 44}
